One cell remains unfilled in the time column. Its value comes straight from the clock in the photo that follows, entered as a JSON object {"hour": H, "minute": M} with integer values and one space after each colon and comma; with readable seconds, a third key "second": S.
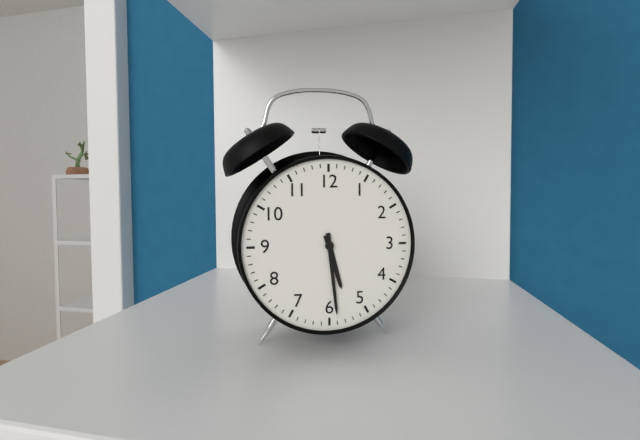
{"hour": 5, "minute": 29}
